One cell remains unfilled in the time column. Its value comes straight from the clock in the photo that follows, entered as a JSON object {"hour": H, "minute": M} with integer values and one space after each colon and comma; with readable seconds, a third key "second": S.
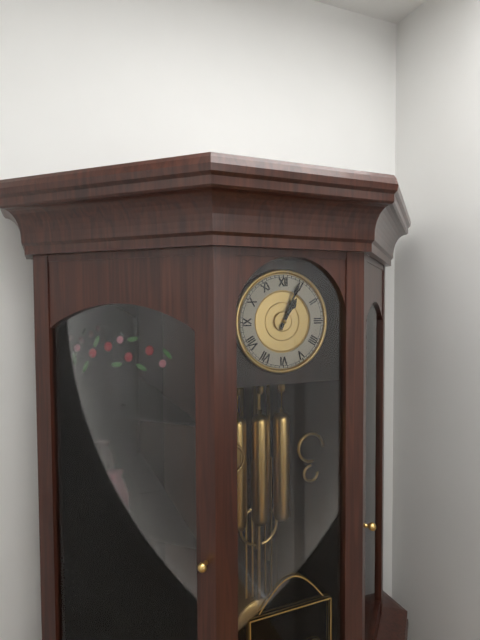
{"hour": 1, "minute": 4}
